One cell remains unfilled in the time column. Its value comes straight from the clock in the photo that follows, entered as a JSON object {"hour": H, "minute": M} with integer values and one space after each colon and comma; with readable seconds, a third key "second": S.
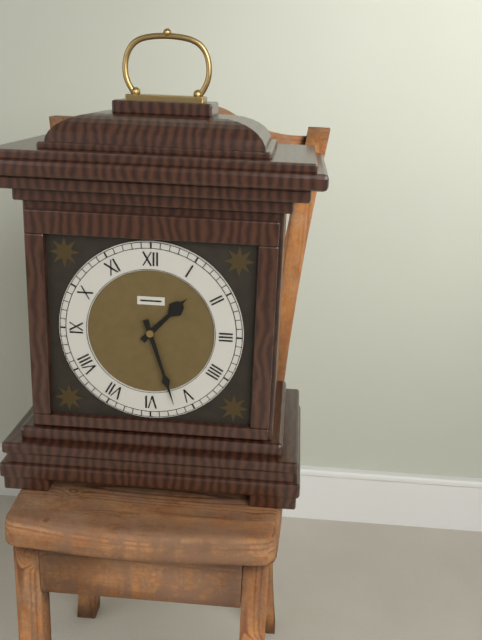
{"hour": 1, "minute": 27}
